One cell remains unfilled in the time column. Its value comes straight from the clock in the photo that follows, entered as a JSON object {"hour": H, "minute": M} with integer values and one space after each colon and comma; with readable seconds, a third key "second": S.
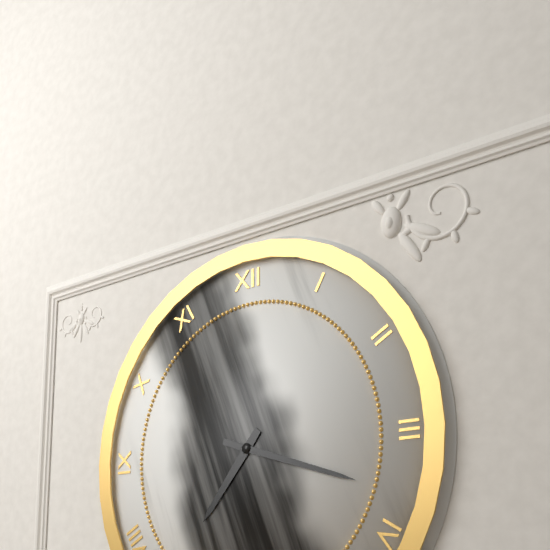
{"hour": 7, "minute": 18}
